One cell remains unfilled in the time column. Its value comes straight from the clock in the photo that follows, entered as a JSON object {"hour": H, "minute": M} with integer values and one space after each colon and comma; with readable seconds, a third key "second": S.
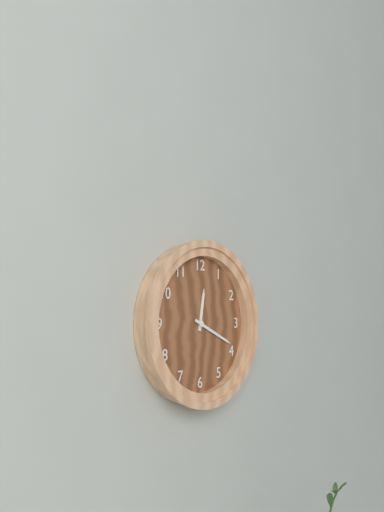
{"hour": 12, "minute": 19}
